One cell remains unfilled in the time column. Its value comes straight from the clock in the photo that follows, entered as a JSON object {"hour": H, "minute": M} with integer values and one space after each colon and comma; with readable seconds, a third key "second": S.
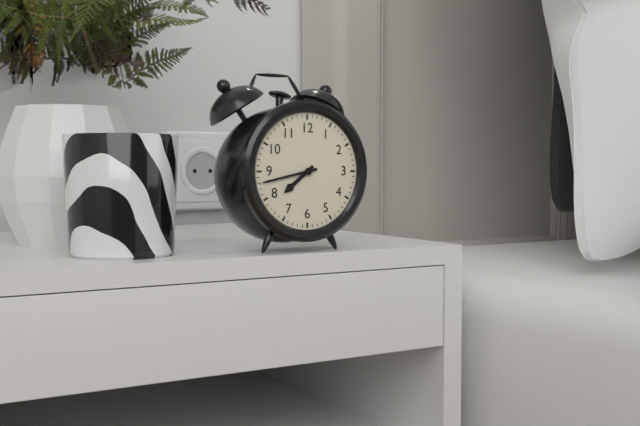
{"hour": 7, "minute": 43}
